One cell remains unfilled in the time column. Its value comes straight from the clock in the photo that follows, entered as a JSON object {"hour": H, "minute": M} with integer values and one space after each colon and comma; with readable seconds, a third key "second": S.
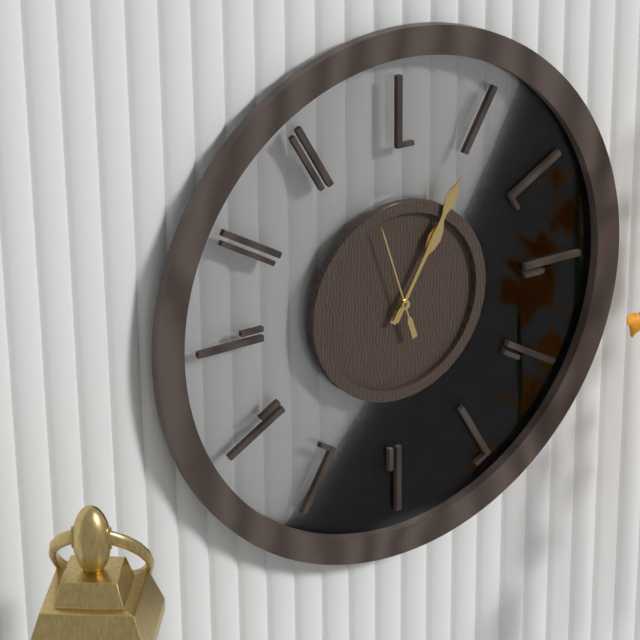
{"hour": 1, "minute": 5, "second": 57}
